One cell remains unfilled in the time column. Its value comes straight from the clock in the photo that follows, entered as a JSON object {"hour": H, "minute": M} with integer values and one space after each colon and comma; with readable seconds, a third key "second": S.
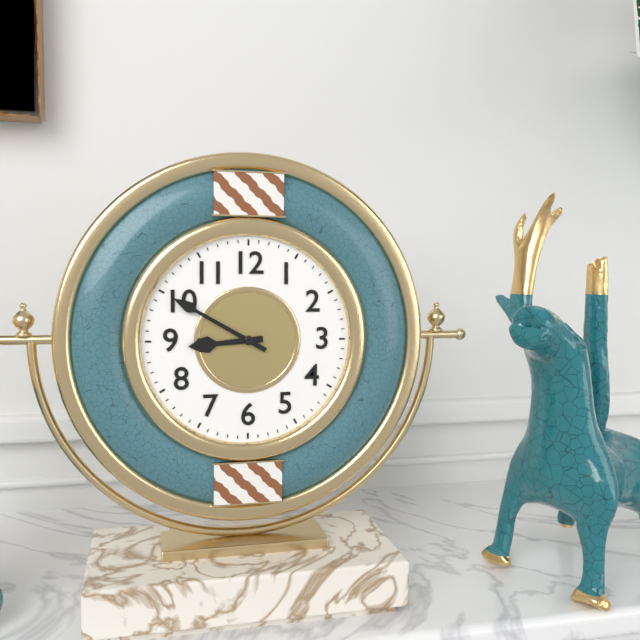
{"hour": 8, "minute": 50}
